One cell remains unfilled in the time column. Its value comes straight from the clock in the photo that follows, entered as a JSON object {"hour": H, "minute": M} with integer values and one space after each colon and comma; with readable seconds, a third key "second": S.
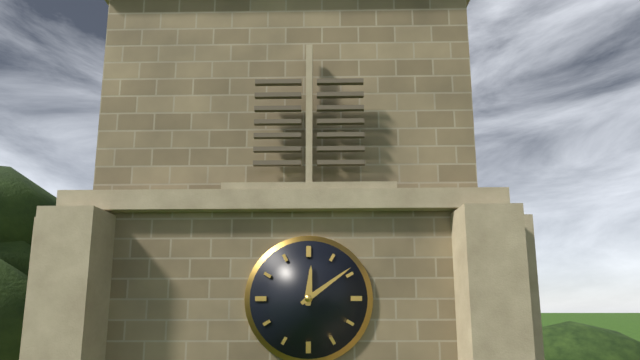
{"hour": 12, "minute": 9}
